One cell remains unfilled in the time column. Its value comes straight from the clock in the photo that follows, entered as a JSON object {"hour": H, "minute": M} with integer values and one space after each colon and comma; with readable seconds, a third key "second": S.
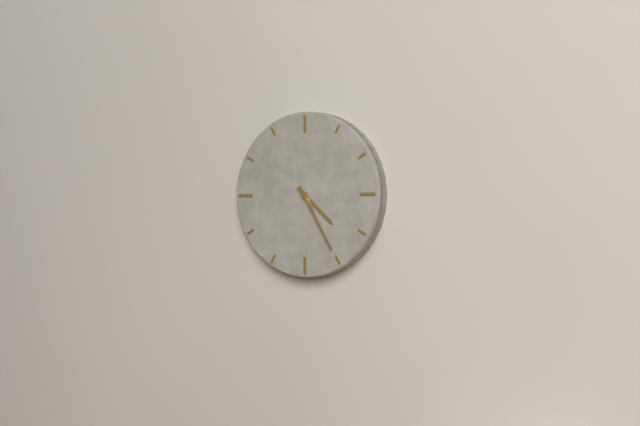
{"hour": 4, "minute": 25}
